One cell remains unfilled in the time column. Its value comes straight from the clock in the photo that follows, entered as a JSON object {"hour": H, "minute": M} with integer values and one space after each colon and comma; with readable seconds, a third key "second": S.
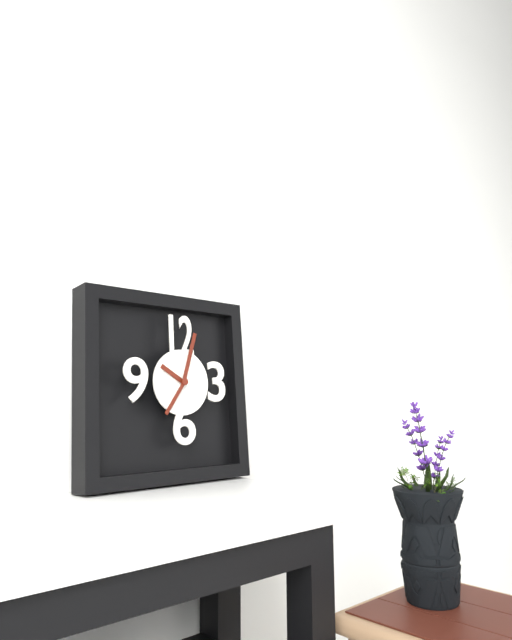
{"hour": 10, "minute": 3}
